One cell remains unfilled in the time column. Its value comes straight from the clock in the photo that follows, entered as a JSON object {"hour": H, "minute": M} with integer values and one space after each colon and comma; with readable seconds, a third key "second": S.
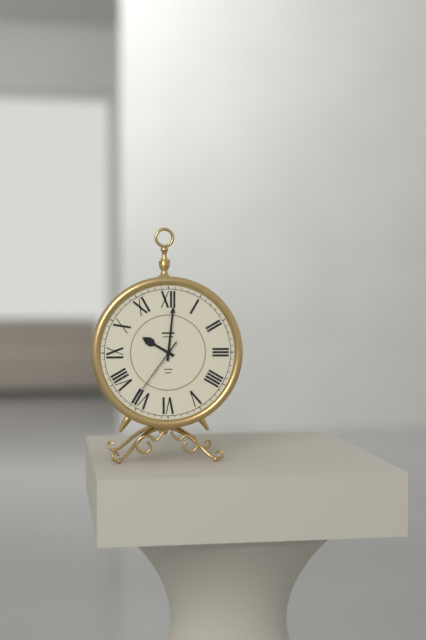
{"hour": 10, "minute": 1, "second": 36}
